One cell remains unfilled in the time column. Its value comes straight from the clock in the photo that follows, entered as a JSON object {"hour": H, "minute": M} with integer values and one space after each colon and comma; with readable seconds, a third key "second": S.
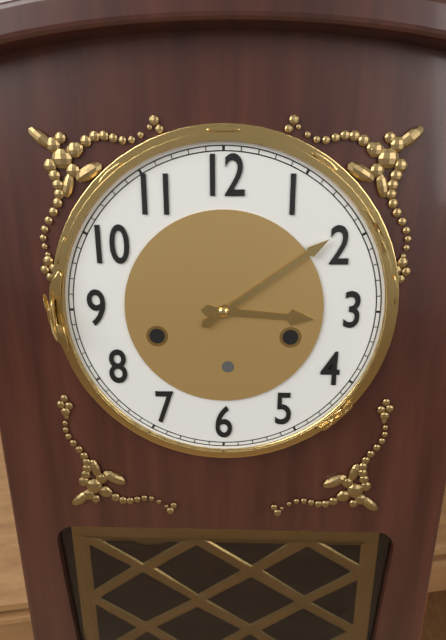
{"hour": 3, "minute": 9}
